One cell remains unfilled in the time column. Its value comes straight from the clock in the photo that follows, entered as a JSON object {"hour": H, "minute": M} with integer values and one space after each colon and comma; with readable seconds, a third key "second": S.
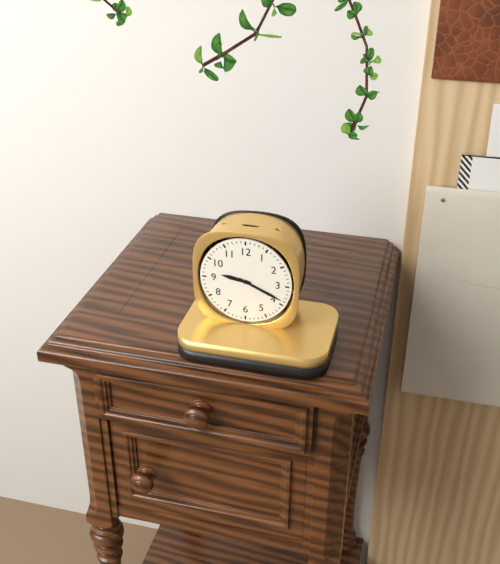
{"hour": 9, "minute": 19}
